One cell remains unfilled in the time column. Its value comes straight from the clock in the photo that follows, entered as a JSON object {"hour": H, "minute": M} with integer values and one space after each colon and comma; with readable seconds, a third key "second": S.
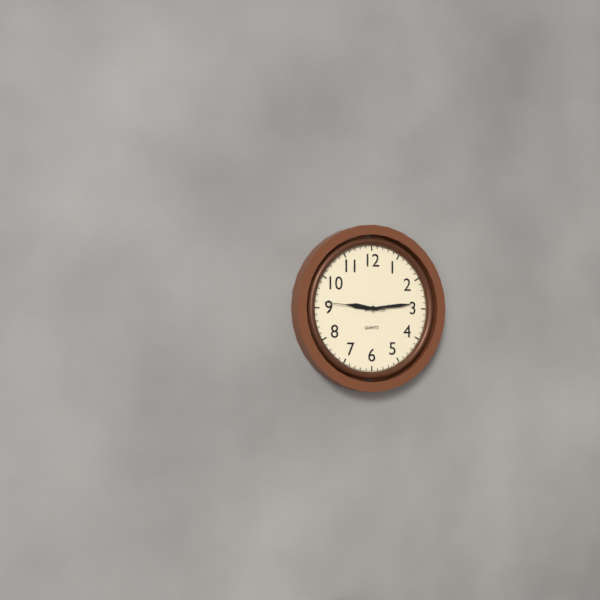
{"hour": 9, "minute": 14, "second": 46}
